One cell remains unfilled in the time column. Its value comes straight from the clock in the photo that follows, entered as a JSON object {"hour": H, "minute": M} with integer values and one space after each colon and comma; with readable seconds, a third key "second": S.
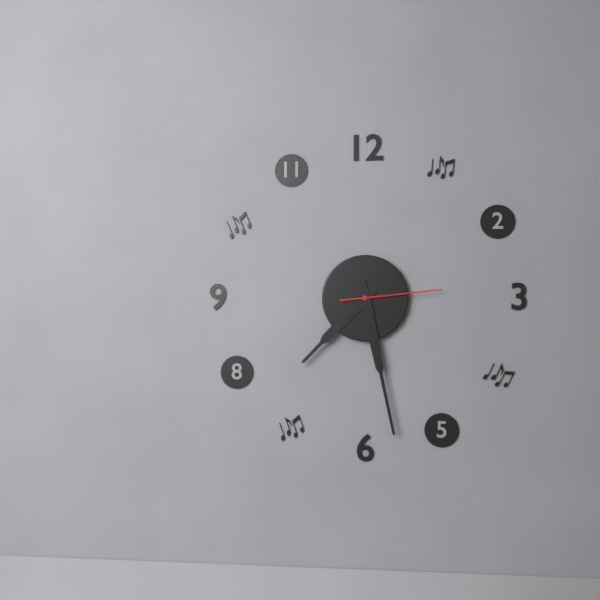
{"hour": 7, "minute": 28, "second": 14}
